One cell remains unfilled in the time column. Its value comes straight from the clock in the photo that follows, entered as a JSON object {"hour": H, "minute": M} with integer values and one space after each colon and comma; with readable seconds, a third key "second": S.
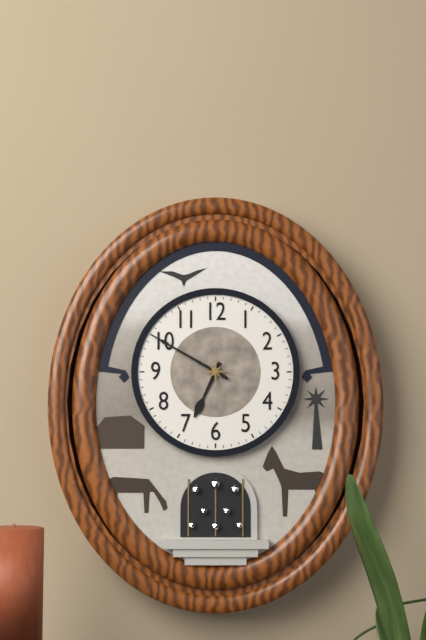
{"hour": 6, "minute": 50}
